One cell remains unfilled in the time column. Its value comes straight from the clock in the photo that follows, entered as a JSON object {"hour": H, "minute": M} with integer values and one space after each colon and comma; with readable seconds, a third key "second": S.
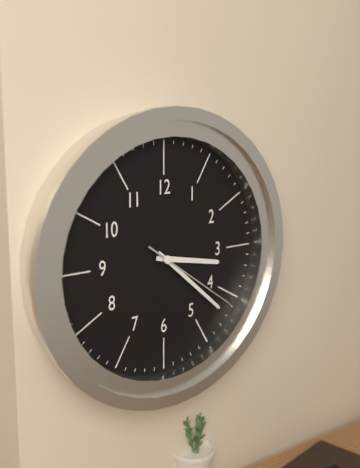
{"hour": 3, "minute": 22, "second": 21}
